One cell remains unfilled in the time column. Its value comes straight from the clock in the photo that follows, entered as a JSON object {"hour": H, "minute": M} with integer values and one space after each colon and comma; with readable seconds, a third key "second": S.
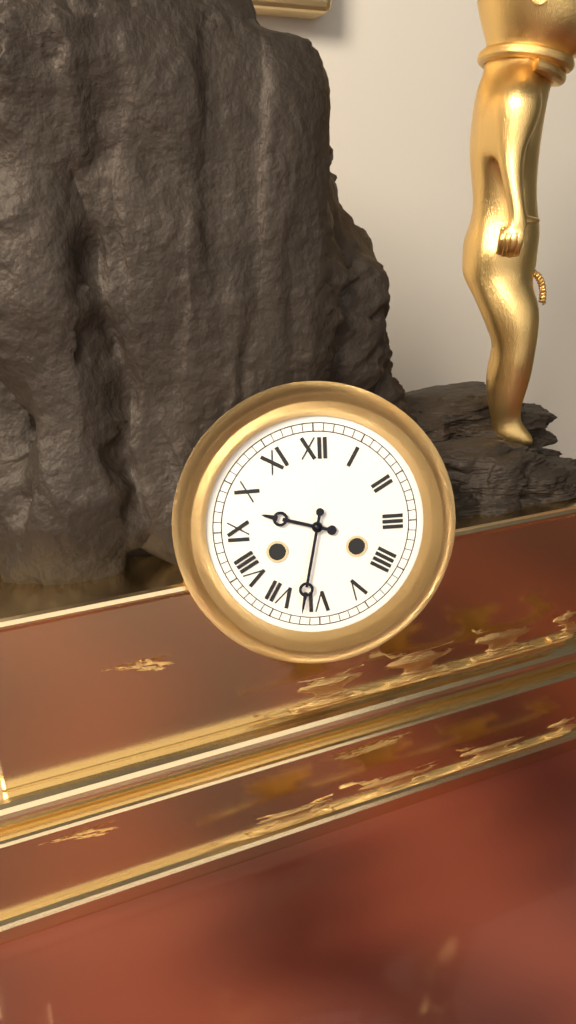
{"hour": 9, "minute": 32}
